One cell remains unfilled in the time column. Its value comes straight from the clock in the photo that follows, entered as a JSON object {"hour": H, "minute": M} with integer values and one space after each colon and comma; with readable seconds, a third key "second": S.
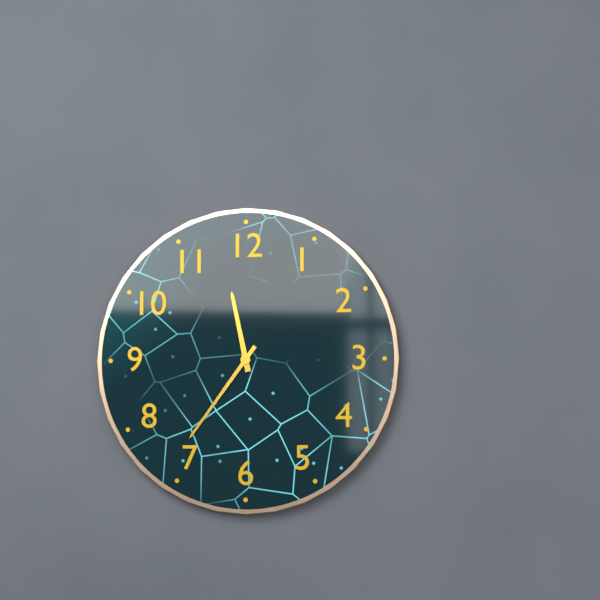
{"hour": 11, "minute": 36}
